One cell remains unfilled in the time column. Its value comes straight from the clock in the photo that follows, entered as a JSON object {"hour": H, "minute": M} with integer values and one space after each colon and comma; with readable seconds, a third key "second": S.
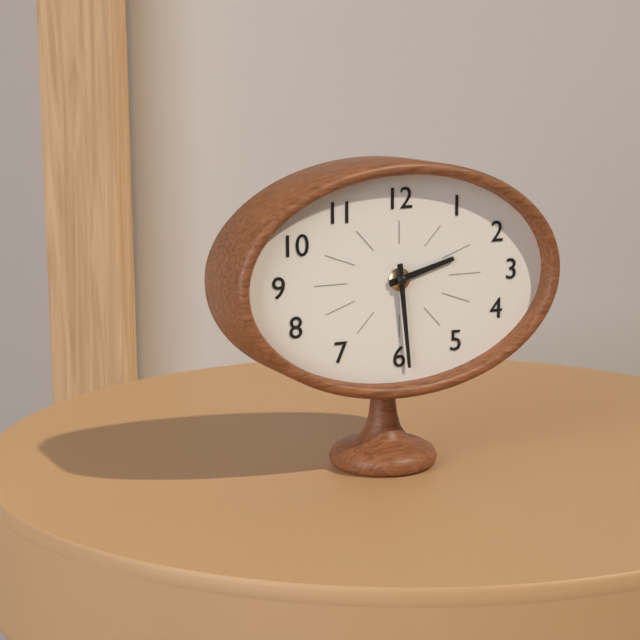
{"hour": 2, "minute": 29}
